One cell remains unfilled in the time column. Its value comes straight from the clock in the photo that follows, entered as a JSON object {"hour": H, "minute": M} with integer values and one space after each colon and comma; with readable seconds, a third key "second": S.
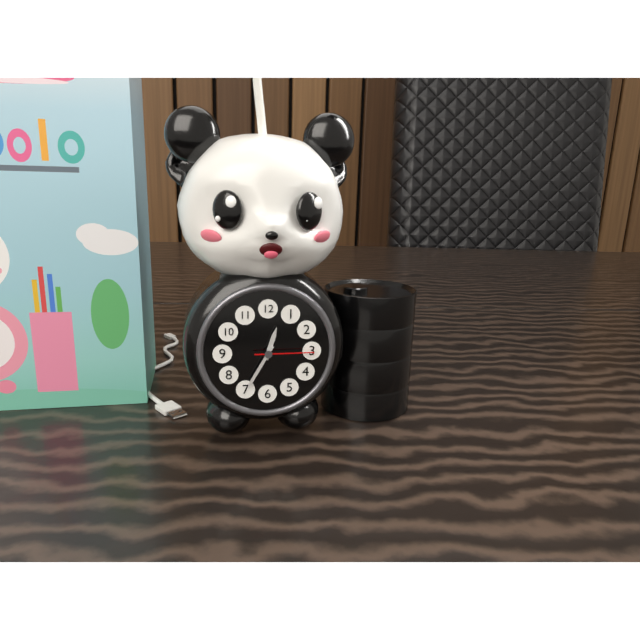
{"hour": 12, "minute": 35, "second": 15}
